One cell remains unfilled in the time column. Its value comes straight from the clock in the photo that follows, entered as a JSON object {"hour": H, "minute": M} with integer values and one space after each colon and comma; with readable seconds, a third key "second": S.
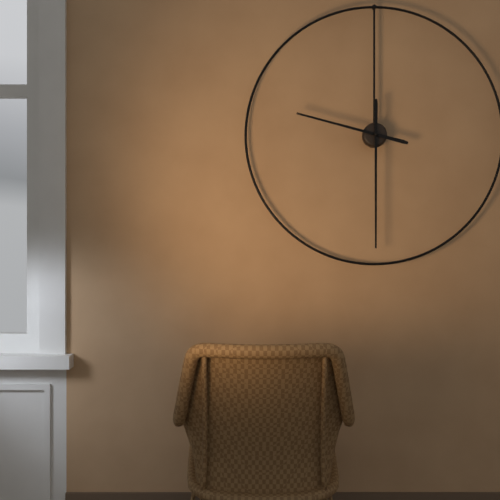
{"hour": 9, "minute": 30}
